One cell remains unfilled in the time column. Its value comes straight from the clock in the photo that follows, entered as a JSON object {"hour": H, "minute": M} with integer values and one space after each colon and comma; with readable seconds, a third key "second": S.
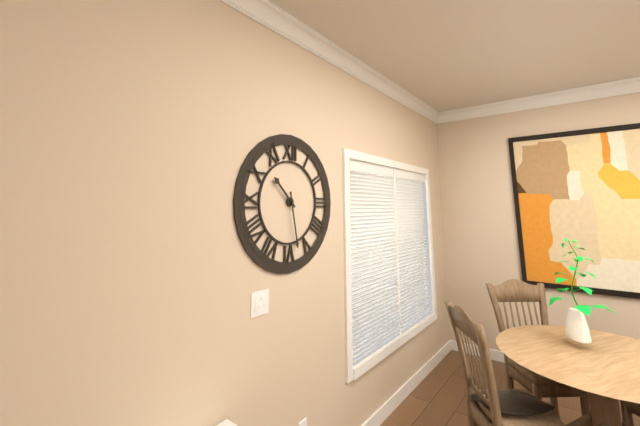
{"hour": 10, "minute": 28}
